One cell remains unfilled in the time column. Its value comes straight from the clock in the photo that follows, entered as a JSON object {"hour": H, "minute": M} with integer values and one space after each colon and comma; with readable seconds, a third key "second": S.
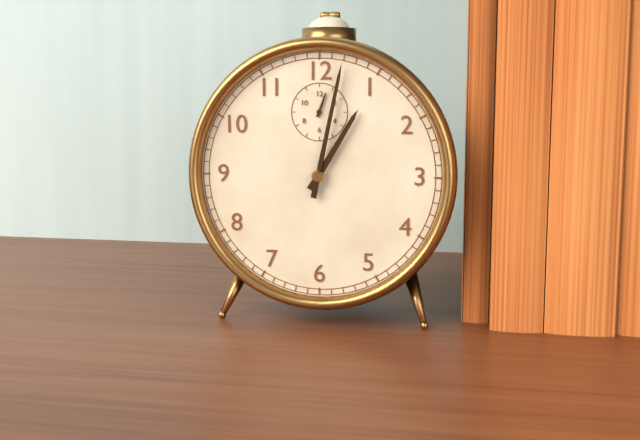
{"hour": 1, "minute": 2}
